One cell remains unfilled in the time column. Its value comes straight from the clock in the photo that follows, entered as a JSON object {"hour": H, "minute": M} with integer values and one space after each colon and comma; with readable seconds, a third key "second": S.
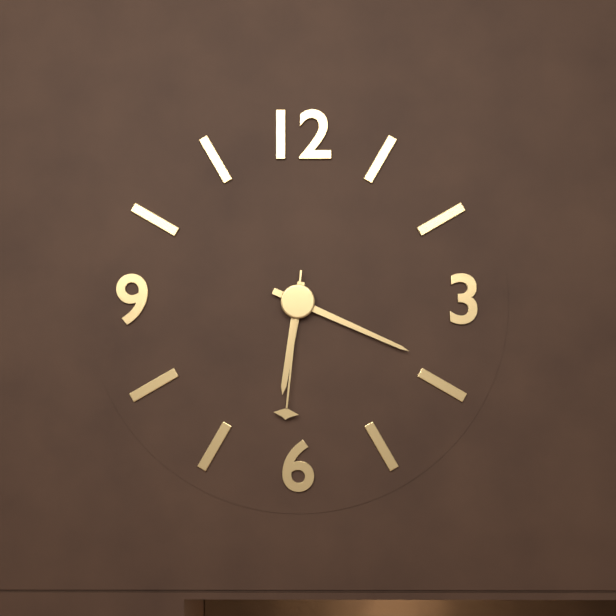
{"hour": 6, "minute": 19, "second": 31}
